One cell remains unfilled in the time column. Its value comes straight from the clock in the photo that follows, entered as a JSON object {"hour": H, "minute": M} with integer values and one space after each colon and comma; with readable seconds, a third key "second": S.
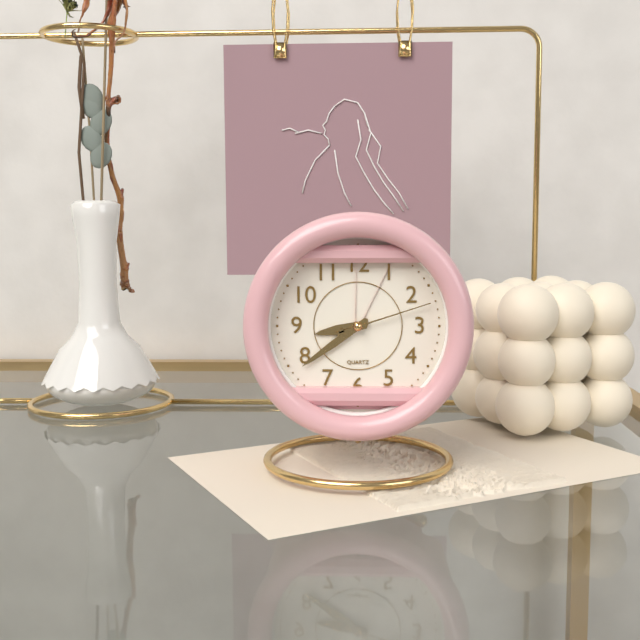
{"hour": 8, "minute": 39, "second": 12}
